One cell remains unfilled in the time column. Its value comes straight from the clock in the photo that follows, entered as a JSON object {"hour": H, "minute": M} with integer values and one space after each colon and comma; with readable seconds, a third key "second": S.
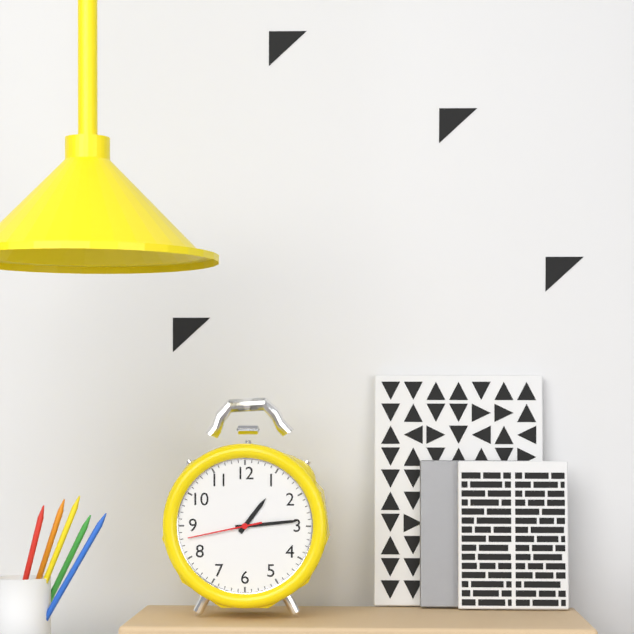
{"hour": 1, "minute": 14, "second": 43}
